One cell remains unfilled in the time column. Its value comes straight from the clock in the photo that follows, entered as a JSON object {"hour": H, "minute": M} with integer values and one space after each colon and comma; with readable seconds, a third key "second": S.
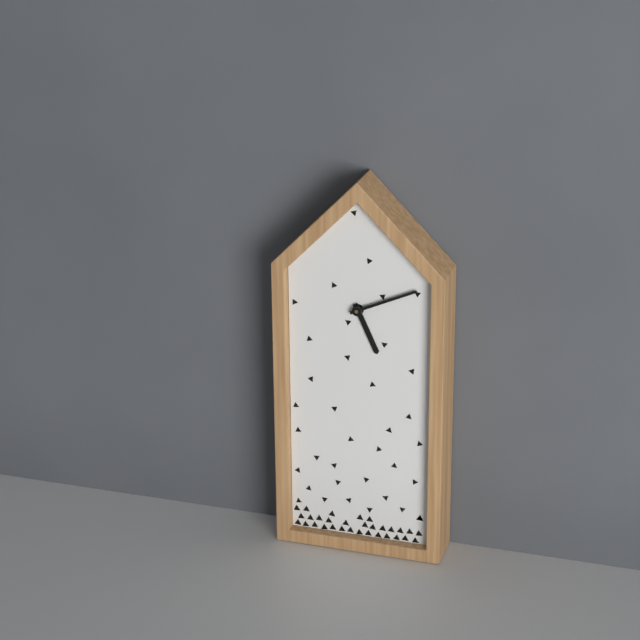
{"hour": 5, "minute": 11}
